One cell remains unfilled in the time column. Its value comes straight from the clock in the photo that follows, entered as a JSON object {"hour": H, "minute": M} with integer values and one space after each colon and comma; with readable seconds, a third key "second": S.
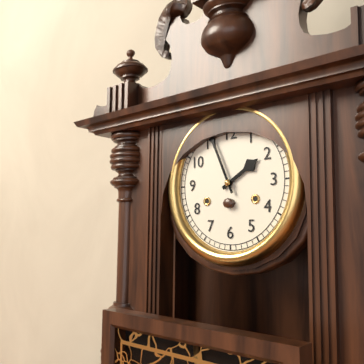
{"hour": 1, "minute": 56}
